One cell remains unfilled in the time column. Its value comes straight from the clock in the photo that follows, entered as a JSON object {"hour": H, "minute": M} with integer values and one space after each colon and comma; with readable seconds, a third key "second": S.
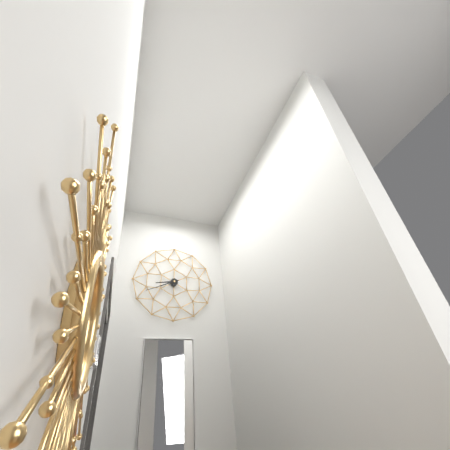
{"hour": 8, "minute": 41}
